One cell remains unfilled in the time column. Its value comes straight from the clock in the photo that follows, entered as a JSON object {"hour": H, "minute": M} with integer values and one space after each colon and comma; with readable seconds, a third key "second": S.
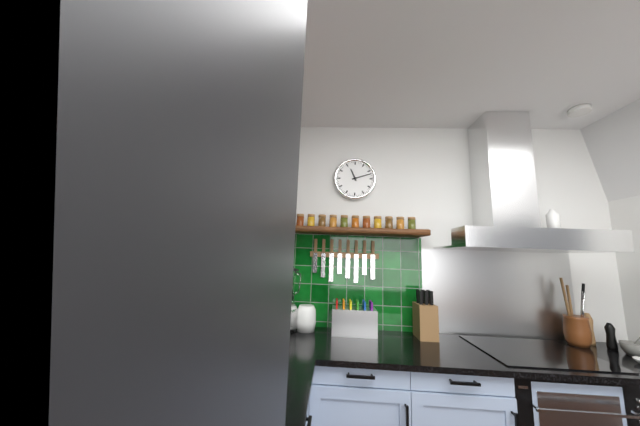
{"hour": 11, "minute": 12}
